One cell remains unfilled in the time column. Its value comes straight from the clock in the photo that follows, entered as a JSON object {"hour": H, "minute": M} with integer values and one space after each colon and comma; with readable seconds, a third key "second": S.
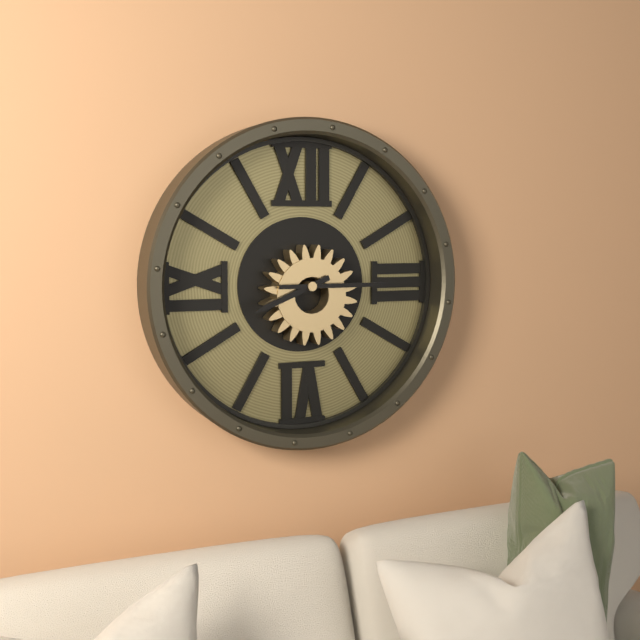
{"hour": 8, "minute": 15}
